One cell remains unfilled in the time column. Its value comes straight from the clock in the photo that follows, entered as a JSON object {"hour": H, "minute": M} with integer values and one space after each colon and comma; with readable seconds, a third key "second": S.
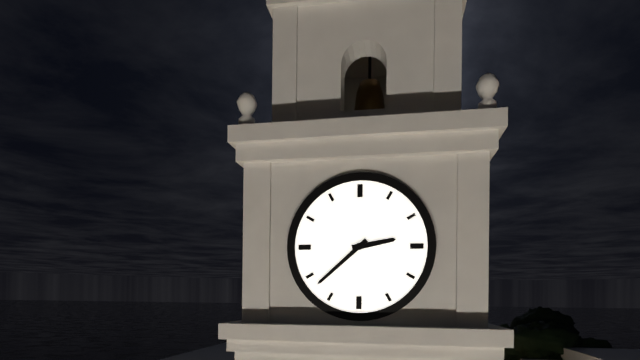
{"hour": 2, "minute": 38}
